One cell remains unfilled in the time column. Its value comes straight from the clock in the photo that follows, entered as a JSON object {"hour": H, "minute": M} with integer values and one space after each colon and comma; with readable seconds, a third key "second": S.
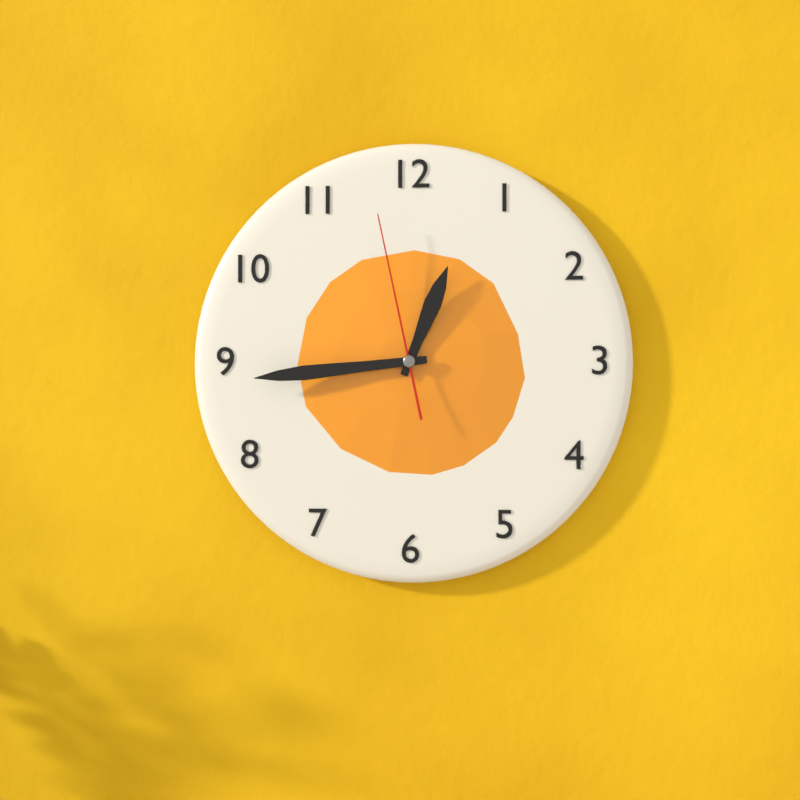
{"hour": 12, "minute": 44, "second": 58}
